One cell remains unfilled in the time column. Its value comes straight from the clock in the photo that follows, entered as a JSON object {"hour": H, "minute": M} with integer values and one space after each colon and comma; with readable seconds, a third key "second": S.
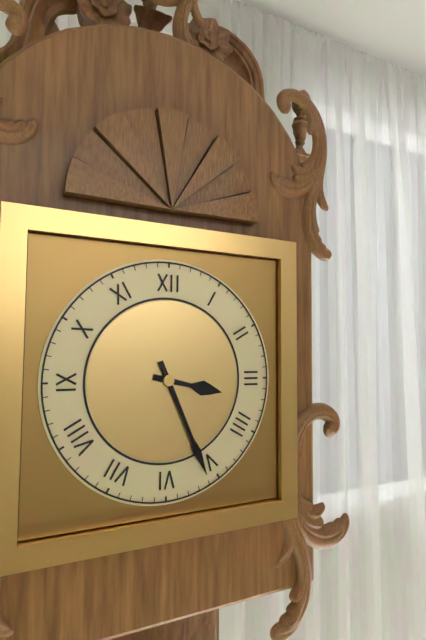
{"hour": 3, "minute": 26}
